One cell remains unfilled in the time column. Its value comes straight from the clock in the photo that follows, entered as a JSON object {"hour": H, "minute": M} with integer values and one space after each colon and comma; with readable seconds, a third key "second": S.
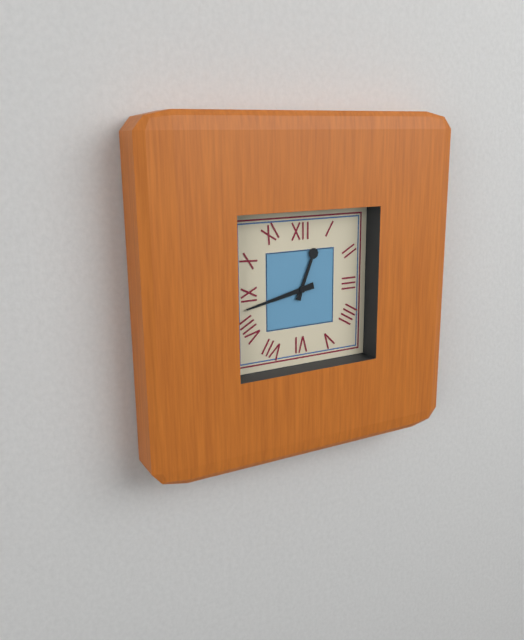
{"hour": 12, "minute": 43}
